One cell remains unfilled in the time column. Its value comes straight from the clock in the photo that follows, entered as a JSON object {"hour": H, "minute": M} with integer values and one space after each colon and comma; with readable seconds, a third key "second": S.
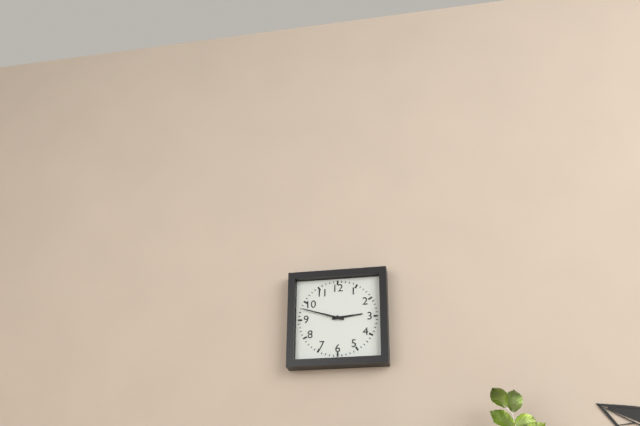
{"hour": 2, "minute": 48}
